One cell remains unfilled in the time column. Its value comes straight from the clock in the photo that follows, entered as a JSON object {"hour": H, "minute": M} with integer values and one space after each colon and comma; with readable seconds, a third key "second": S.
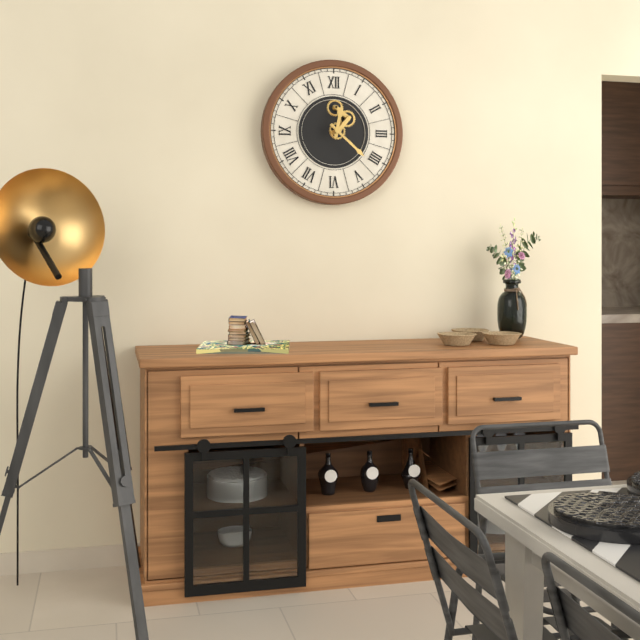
{"hour": 12, "minute": 22}
